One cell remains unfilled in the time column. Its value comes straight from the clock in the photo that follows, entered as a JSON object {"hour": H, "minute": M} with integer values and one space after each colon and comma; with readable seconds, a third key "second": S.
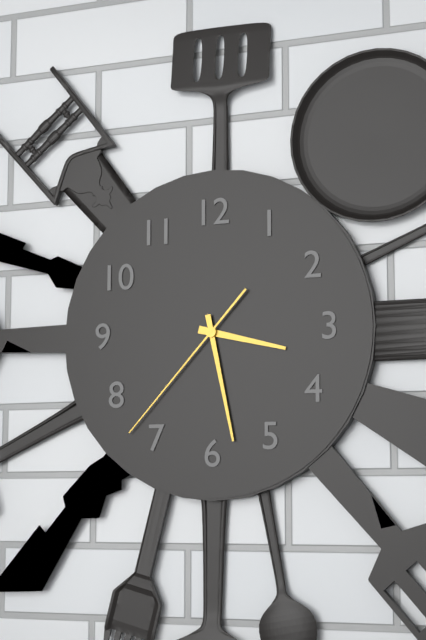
{"hour": 3, "minute": 28, "second": 37}
